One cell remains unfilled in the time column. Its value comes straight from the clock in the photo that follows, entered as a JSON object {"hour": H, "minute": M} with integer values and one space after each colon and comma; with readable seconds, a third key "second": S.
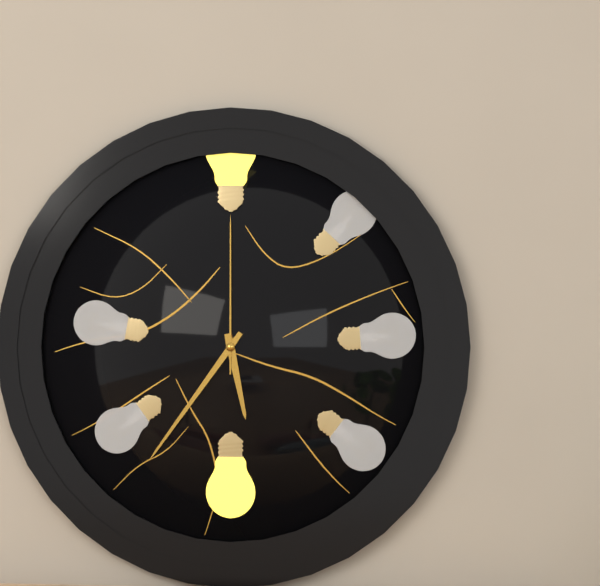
{"hour": 5, "minute": 36, "second": 0}
